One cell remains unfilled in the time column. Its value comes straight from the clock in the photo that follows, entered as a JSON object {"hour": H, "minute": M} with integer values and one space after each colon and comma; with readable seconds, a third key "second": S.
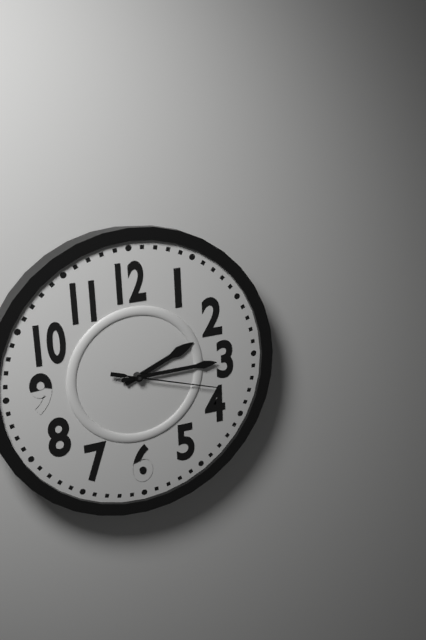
{"hour": 2, "minute": 15, "second": 18}
